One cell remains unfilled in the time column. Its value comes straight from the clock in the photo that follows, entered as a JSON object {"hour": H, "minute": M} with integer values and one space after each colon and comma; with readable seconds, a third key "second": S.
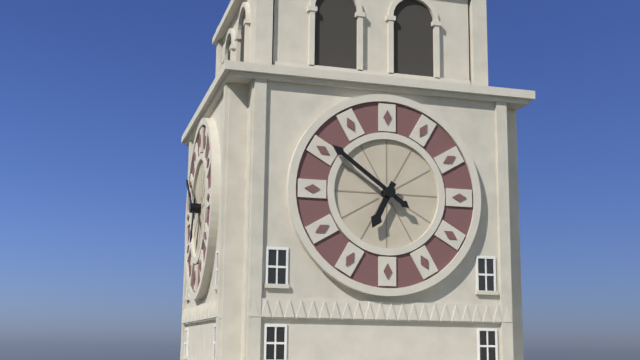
{"hour": 6, "minute": 51}
